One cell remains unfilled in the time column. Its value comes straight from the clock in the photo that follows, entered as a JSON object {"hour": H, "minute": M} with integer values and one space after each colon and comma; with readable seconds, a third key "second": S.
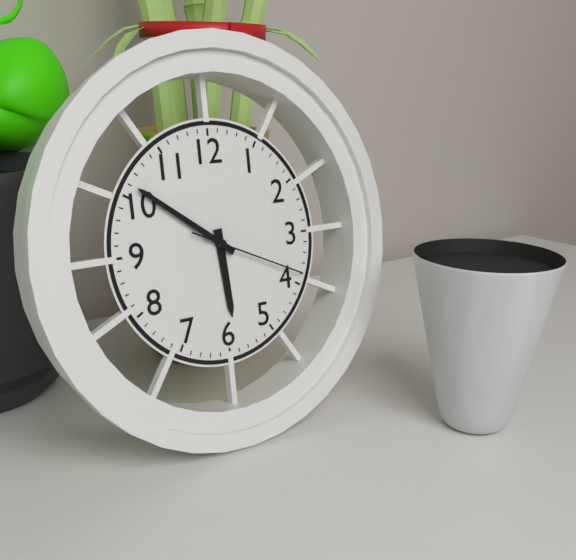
{"hour": 5, "minute": 51, "second": 19}
